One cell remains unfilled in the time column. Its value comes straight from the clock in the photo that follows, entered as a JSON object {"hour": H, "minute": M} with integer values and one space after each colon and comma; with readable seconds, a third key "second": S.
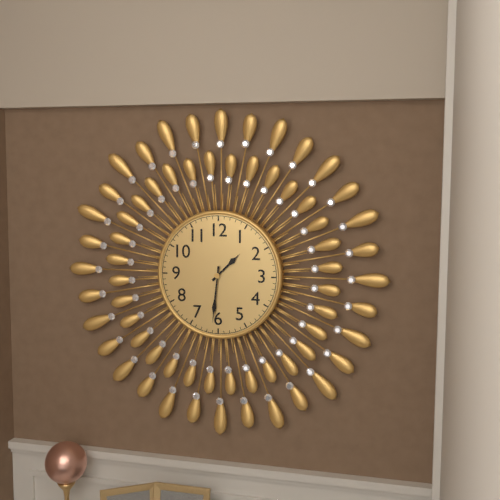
{"hour": 1, "minute": 31}
